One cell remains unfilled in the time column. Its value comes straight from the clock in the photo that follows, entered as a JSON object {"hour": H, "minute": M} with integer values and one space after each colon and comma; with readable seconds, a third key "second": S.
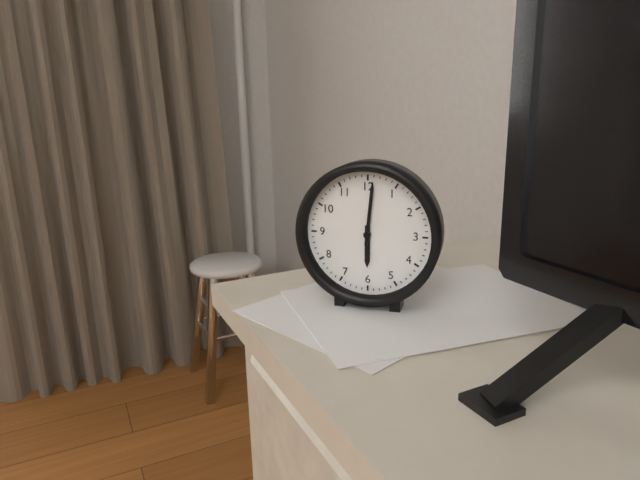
{"hour": 6, "minute": 1}
